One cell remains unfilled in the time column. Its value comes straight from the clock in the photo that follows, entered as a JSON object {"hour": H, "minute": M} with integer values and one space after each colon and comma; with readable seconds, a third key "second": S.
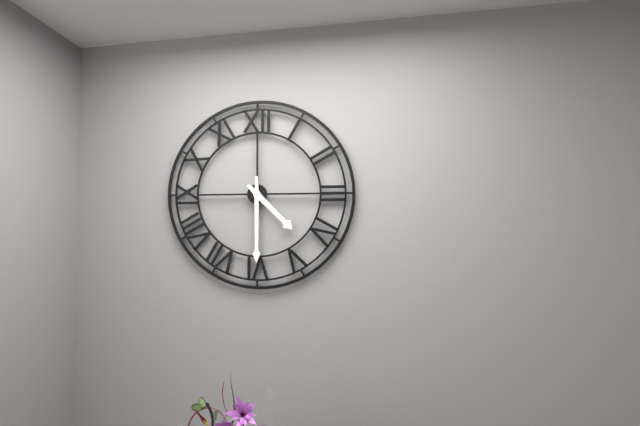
{"hour": 4, "minute": 30}
